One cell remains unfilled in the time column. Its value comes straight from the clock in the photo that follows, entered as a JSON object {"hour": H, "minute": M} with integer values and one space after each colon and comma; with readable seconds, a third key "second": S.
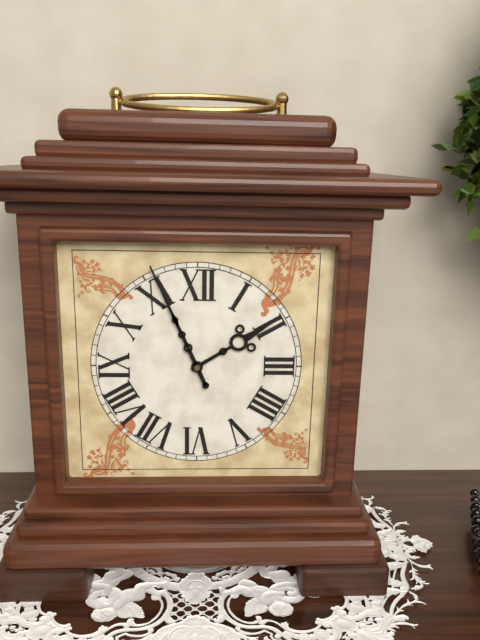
{"hour": 1, "minute": 56}
